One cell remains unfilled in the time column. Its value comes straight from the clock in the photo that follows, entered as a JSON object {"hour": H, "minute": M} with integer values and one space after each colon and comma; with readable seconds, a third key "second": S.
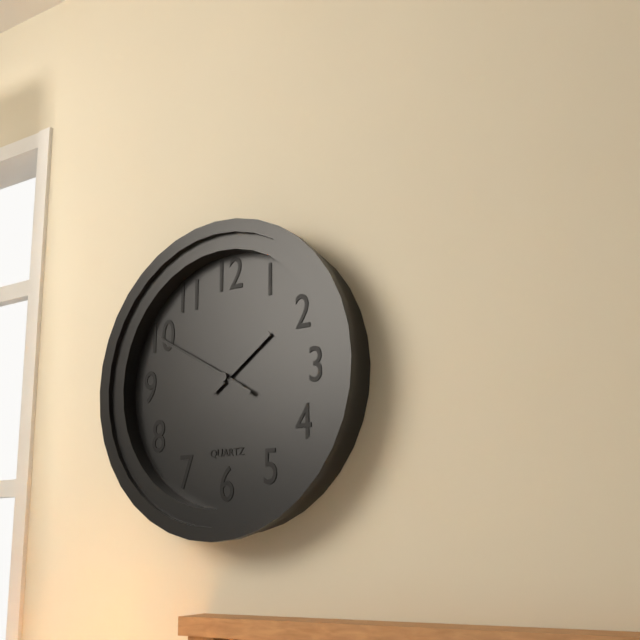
{"hour": 1, "minute": 50, "second": 50}
